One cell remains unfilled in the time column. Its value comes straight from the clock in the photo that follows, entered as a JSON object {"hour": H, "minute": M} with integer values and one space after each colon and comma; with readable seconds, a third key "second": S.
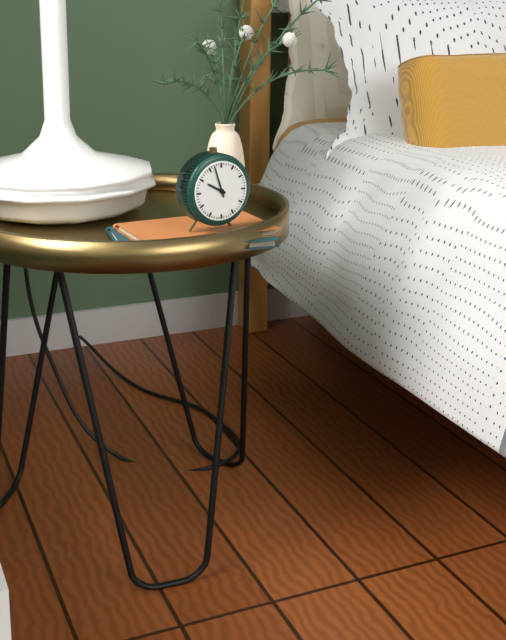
{"hour": 9, "minute": 57}
